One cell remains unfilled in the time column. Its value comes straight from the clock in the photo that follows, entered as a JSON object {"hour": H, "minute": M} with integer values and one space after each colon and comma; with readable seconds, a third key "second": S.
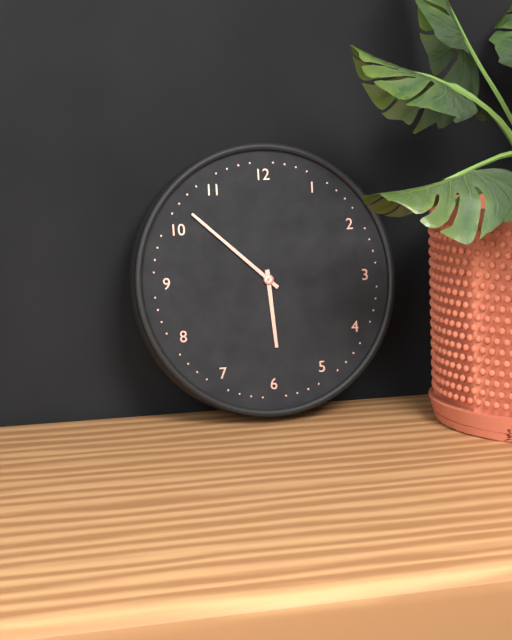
{"hour": 5, "minute": 52}
